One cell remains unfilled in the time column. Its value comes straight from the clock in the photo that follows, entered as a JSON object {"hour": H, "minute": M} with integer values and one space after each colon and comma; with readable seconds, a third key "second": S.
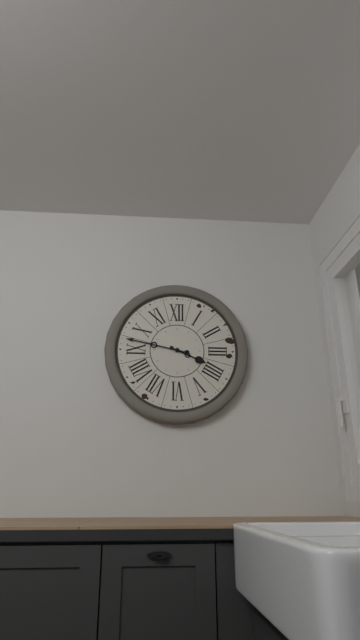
{"hour": 3, "minute": 47}
